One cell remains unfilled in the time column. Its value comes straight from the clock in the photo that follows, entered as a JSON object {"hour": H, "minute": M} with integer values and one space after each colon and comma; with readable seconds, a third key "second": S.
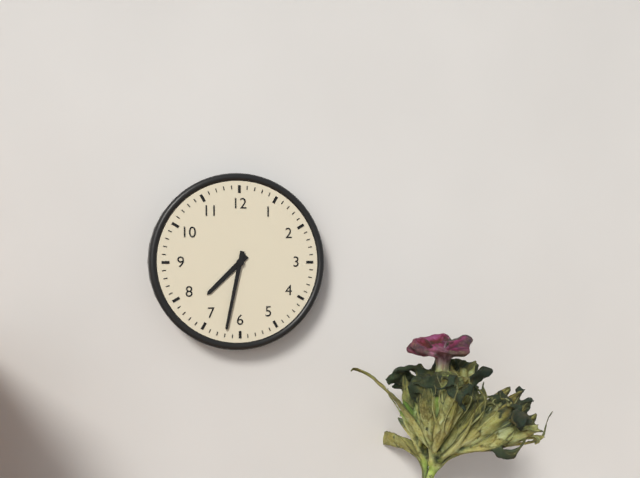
{"hour": 7, "minute": 32}
